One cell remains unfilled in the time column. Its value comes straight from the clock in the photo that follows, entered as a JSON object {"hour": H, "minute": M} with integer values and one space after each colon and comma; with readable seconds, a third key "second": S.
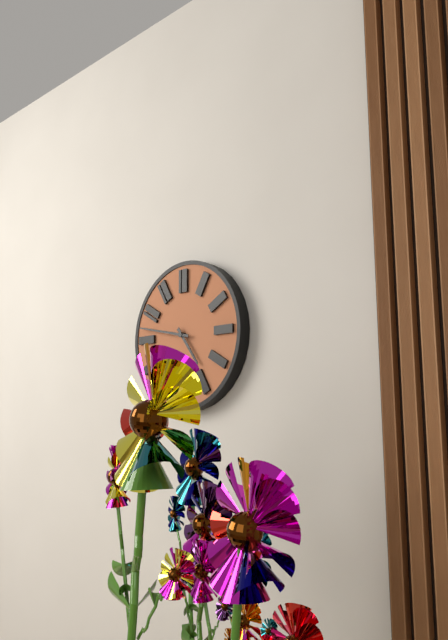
{"hour": 4, "minute": 47}
